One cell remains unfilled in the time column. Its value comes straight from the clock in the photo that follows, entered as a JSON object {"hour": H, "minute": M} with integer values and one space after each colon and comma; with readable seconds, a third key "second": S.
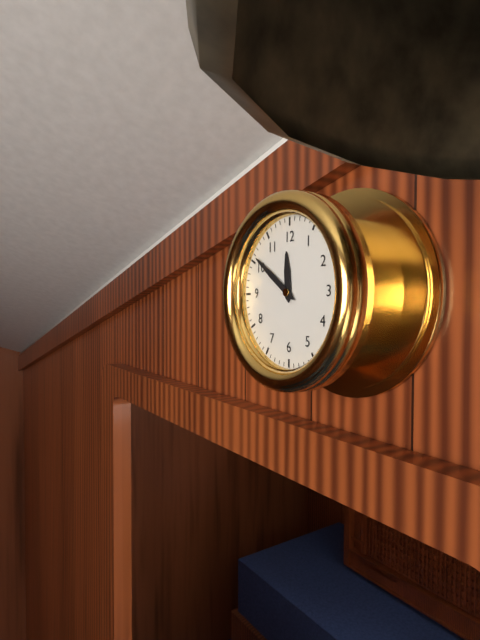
{"hour": 11, "minute": 51}
